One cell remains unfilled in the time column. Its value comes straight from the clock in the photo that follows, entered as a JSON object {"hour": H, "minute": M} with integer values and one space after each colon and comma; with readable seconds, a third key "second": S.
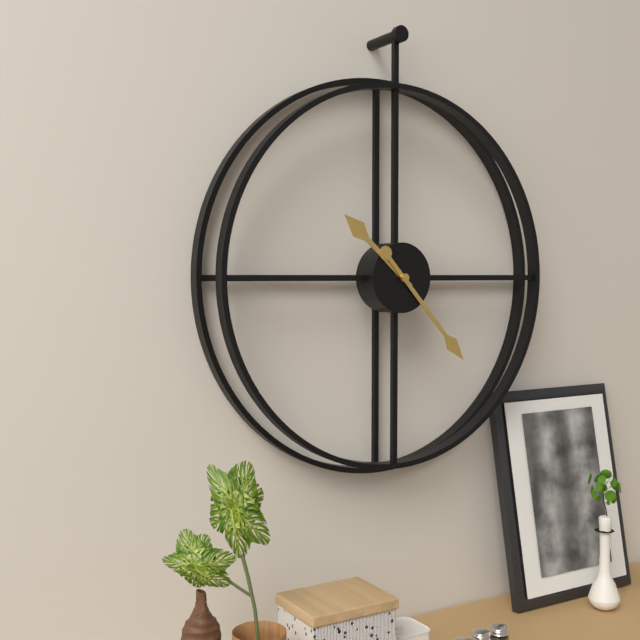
{"hour": 10, "minute": 23}
